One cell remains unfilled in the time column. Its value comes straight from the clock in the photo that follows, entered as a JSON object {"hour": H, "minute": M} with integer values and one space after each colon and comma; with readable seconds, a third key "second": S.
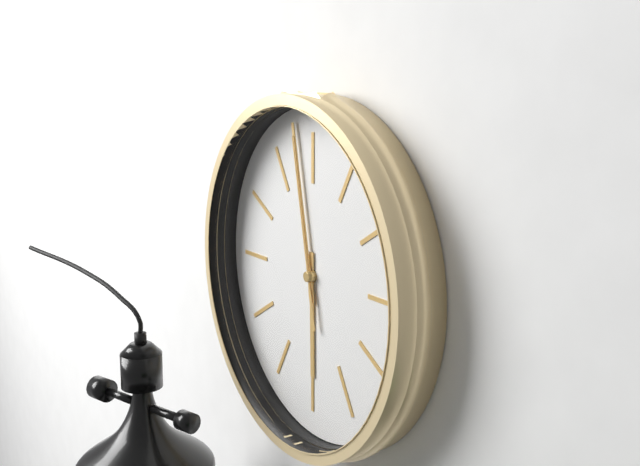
{"hour": 5, "minute": 58, "second": 58}
